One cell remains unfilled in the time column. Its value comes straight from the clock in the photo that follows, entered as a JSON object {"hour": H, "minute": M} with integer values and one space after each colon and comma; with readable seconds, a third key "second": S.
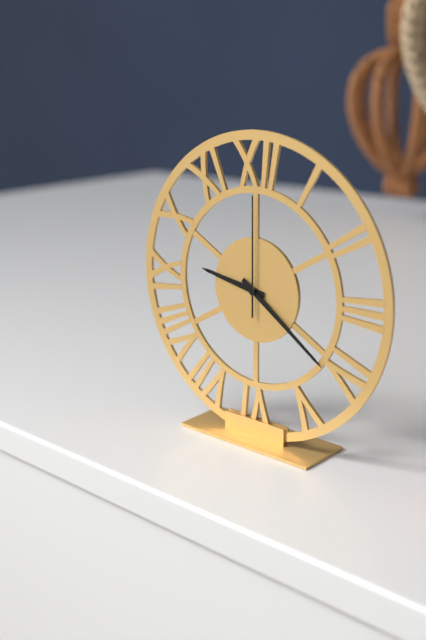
{"hour": 9, "minute": 21, "second": 0}
